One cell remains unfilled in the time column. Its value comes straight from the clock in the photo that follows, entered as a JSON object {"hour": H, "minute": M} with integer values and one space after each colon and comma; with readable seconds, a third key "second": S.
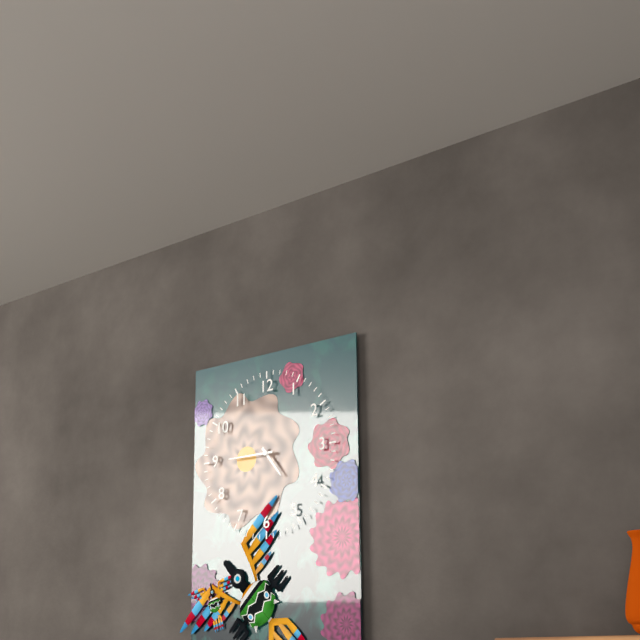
{"hour": 4, "minute": 45}
